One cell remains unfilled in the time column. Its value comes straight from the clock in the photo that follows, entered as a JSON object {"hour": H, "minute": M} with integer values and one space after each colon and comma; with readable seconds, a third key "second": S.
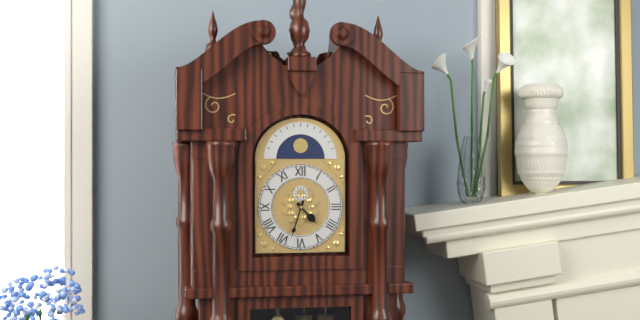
{"hour": 4, "minute": 33}
